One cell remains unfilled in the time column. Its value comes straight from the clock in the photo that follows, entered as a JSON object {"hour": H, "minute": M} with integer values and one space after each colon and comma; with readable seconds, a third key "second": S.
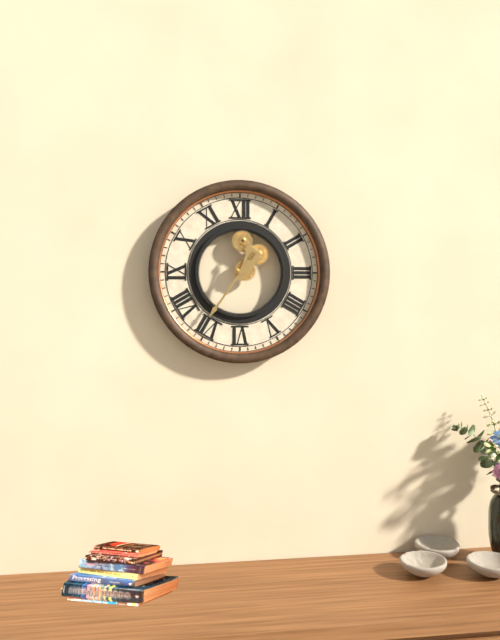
{"hour": 12, "minute": 36}
